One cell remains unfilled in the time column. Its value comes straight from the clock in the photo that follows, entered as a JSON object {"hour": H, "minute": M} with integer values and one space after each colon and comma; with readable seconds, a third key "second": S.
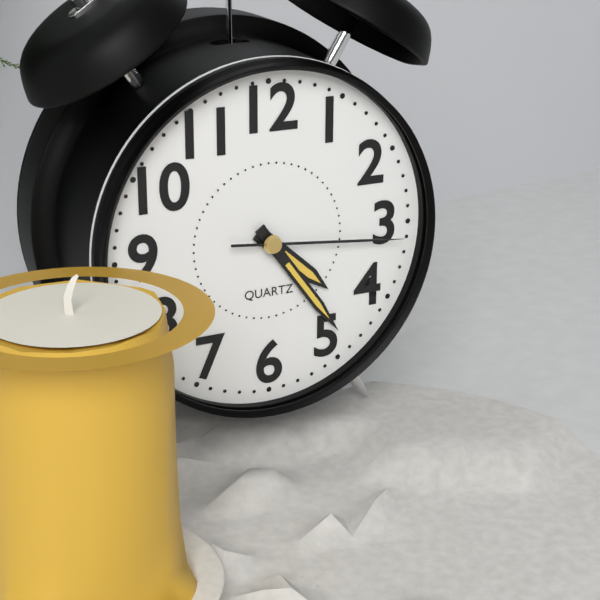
{"hour": 4, "minute": 24, "second": 16}
